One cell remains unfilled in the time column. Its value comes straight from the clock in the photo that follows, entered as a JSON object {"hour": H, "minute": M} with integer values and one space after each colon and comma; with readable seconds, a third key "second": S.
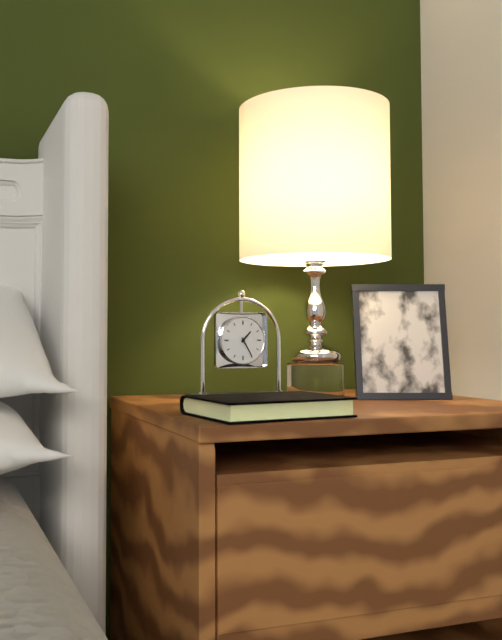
{"hour": 1, "minute": 25}
